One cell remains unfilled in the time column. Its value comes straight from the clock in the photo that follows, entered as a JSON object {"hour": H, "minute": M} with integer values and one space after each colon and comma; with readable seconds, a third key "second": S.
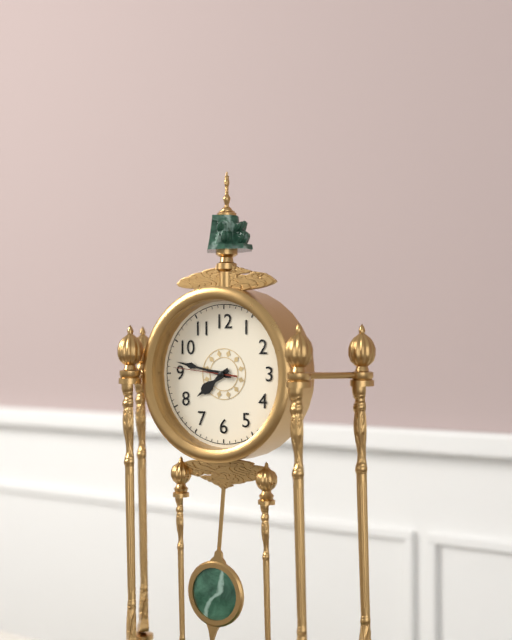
{"hour": 7, "minute": 47, "second": 46}
